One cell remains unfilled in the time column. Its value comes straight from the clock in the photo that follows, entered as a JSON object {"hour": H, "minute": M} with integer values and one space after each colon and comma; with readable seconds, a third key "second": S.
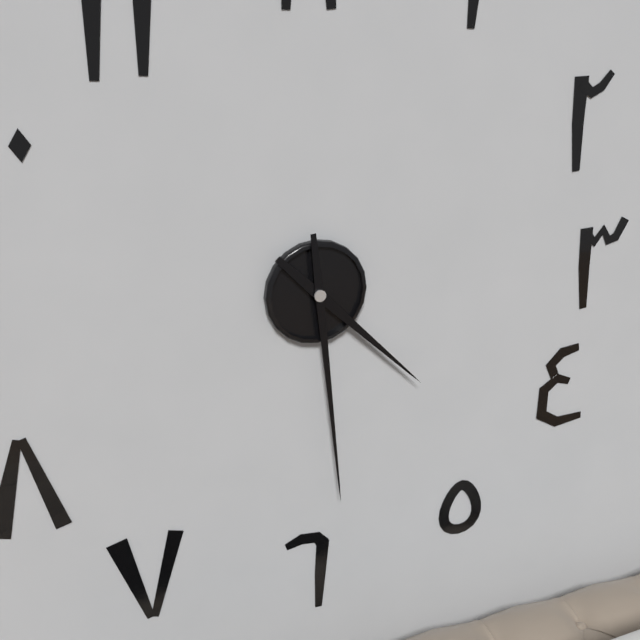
{"hour": 4, "minute": 29}
